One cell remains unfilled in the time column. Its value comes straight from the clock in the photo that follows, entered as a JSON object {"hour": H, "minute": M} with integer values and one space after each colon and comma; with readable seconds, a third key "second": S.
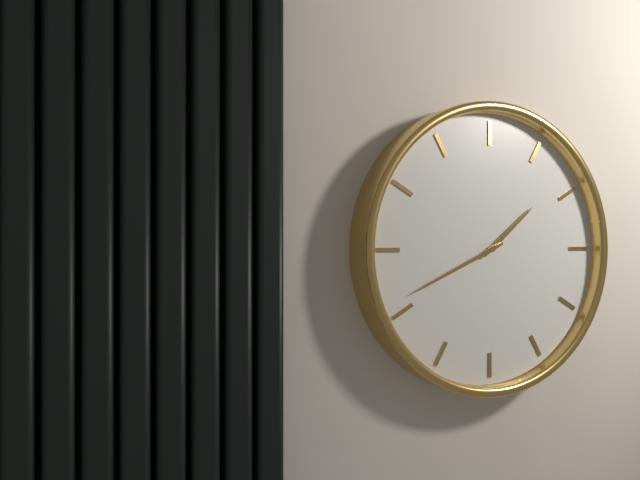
{"hour": 1, "minute": 41}
